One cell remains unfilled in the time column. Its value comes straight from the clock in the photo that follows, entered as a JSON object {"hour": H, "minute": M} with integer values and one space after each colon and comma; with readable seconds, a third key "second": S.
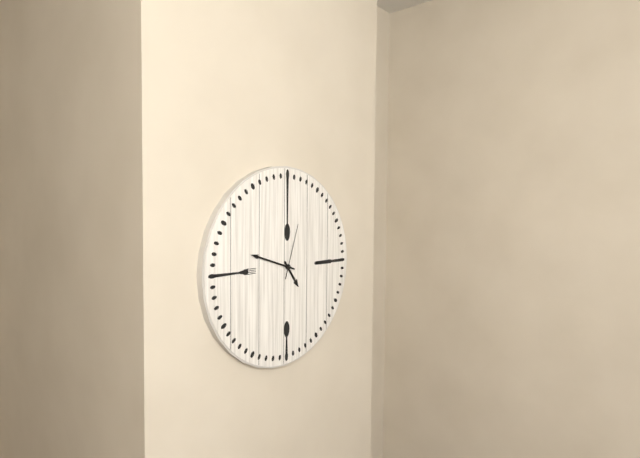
{"hour": 4, "minute": 48, "second": 3}
